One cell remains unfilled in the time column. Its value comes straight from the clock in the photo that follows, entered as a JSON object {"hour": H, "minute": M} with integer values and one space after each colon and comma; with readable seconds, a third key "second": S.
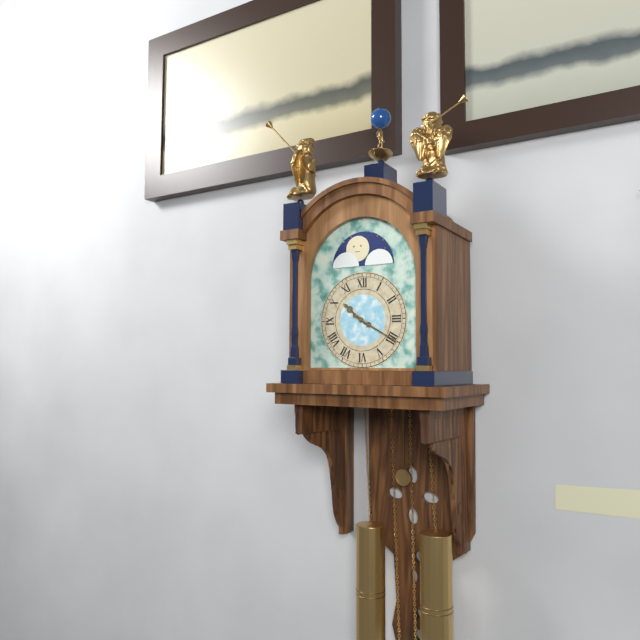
{"hour": 10, "minute": 20}
